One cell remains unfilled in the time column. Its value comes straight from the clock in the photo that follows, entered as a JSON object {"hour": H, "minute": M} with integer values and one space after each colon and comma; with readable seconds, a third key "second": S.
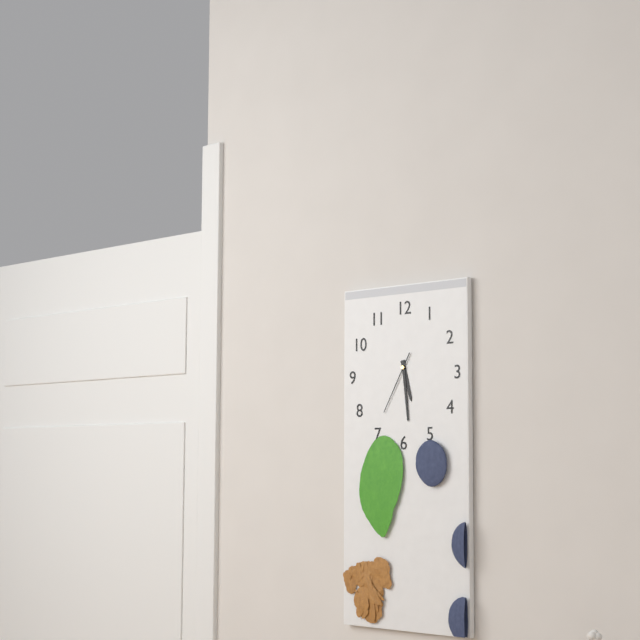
{"hour": 5, "minute": 29, "second": 35}
